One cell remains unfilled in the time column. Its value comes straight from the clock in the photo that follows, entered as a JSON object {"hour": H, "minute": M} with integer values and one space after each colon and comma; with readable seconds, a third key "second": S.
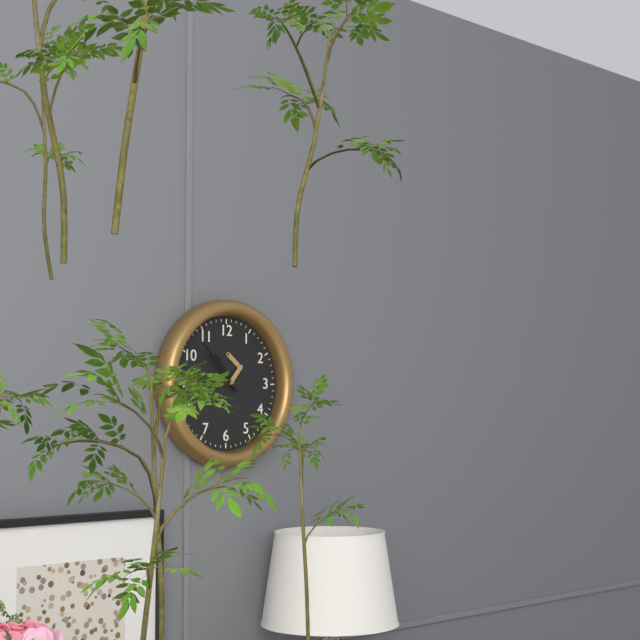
{"hour": 10, "minute": 53}
